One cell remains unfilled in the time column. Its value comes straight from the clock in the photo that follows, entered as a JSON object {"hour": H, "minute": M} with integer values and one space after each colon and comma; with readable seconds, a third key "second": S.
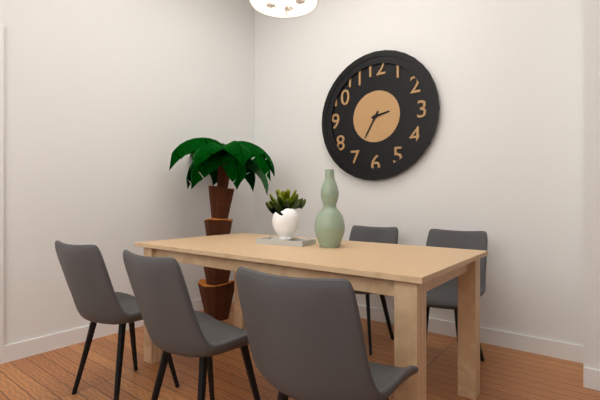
{"hour": 2, "minute": 35}
